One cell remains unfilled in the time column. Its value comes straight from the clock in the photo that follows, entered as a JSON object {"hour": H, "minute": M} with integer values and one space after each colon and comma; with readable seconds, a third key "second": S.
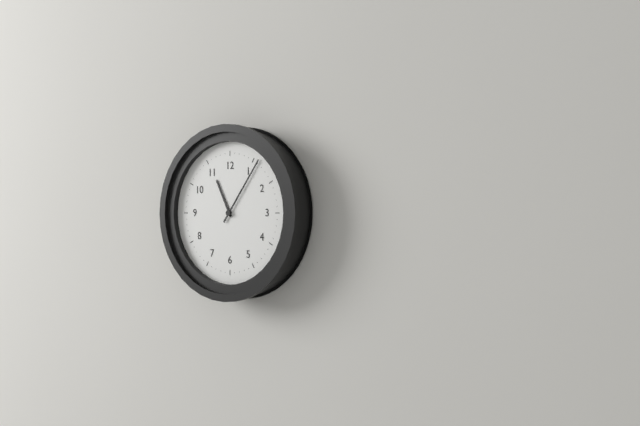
{"hour": 11, "minute": 6}
